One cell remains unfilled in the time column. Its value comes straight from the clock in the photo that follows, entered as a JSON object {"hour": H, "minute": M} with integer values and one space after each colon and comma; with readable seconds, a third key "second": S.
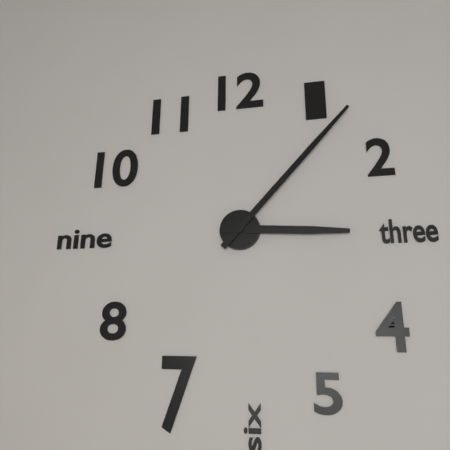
{"hour": 3, "minute": 7}
